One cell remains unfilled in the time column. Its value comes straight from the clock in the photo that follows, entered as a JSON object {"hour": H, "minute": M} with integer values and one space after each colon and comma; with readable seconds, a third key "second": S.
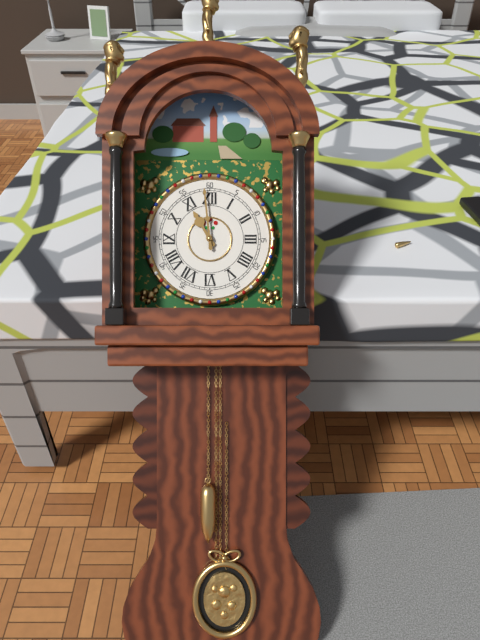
{"hour": 10, "minute": 59}
